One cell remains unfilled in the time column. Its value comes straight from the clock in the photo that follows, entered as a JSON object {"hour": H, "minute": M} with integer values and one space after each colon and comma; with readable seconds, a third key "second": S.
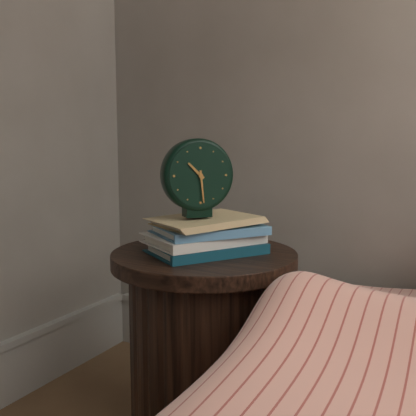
{"hour": 10, "minute": 29}
